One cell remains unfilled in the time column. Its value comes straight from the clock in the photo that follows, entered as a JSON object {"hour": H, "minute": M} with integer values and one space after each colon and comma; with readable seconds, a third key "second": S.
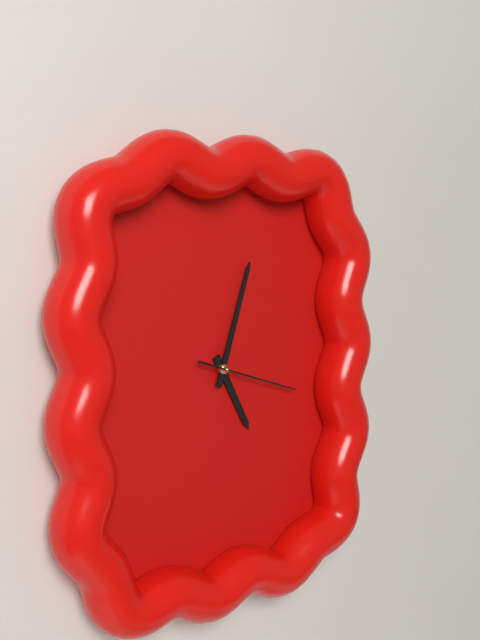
{"hour": 5, "minute": 3, "second": 18}
